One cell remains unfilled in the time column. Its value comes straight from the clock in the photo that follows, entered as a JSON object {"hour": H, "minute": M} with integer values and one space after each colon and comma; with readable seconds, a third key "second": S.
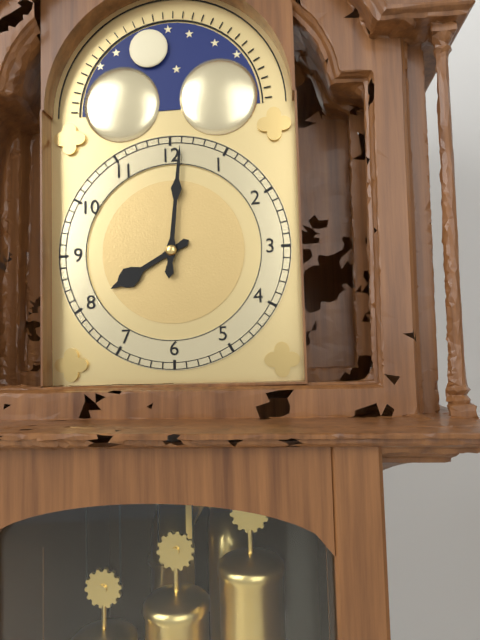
{"hour": 8, "minute": 1}
